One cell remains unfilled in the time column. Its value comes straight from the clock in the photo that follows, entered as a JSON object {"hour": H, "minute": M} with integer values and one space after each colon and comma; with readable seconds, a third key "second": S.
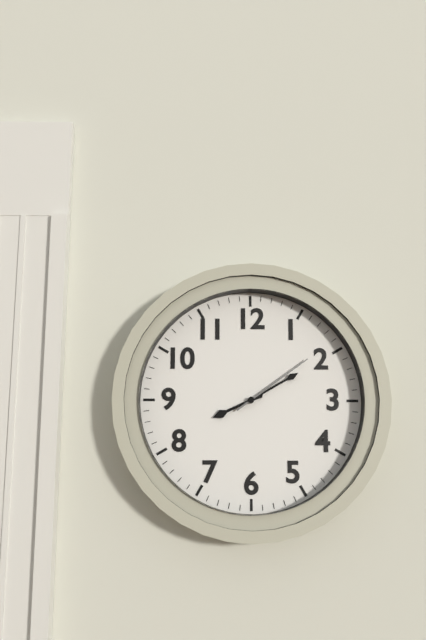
{"hour": 8, "minute": 10, "second": 9}
